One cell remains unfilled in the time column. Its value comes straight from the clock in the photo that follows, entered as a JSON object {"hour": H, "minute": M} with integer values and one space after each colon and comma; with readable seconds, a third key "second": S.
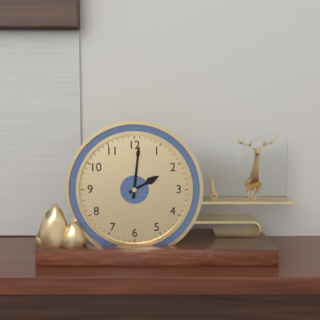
{"hour": 2, "minute": 1}
